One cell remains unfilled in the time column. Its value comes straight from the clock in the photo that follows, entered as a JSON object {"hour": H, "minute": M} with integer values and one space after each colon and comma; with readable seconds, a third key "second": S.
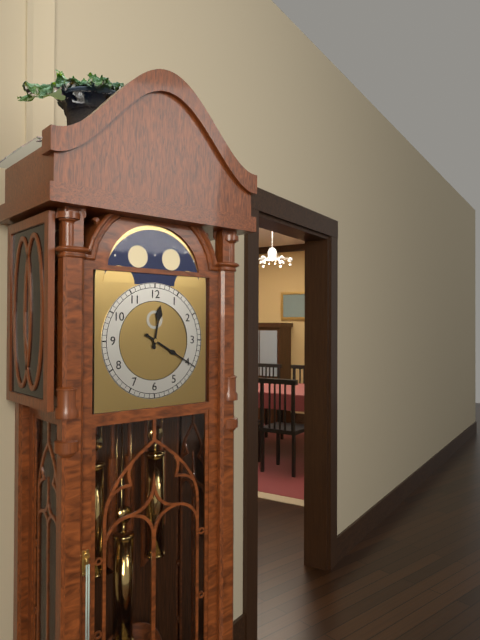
{"hour": 12, "minute": 20}
